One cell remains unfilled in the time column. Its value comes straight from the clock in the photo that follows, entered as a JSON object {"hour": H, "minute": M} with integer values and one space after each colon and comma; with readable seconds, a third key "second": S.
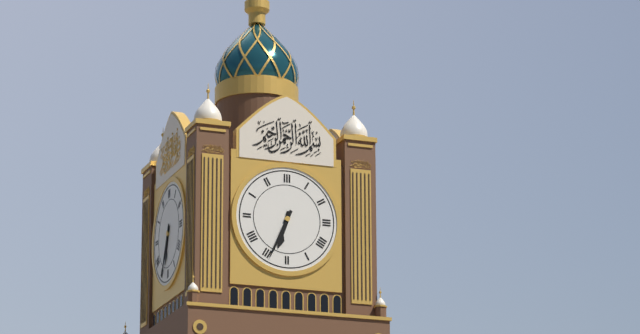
{"hour": 6, "minute": 34}
